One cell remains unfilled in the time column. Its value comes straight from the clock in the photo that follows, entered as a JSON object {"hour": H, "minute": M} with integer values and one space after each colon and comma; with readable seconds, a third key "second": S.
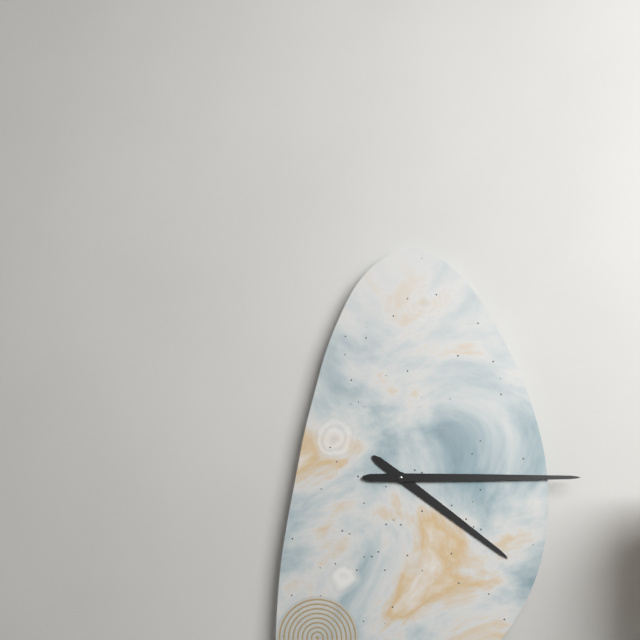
{"hour": 4, "minute": 15}
